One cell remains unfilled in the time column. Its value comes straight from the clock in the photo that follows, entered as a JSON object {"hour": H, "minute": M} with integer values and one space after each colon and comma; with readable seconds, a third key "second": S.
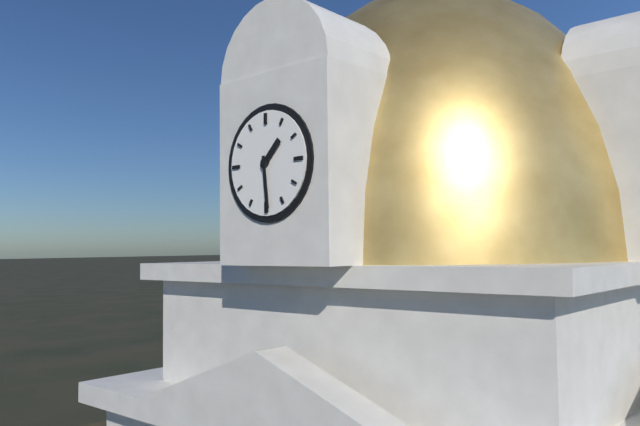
{"hour": 1, "minute": 29}
